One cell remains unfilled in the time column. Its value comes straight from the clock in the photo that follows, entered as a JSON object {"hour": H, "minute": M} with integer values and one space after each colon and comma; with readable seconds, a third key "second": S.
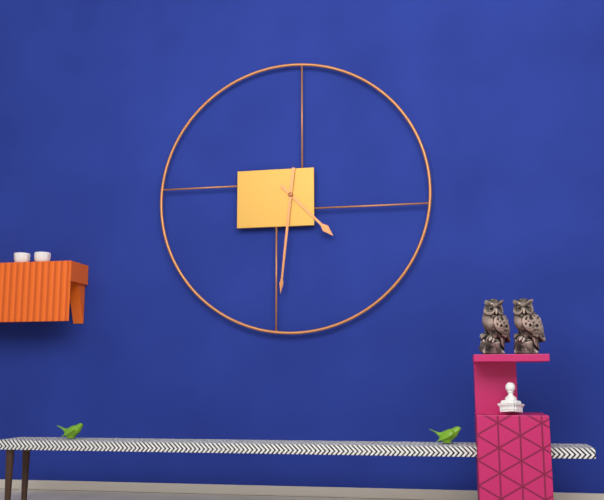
{"hour": 4, "minute": 31}
